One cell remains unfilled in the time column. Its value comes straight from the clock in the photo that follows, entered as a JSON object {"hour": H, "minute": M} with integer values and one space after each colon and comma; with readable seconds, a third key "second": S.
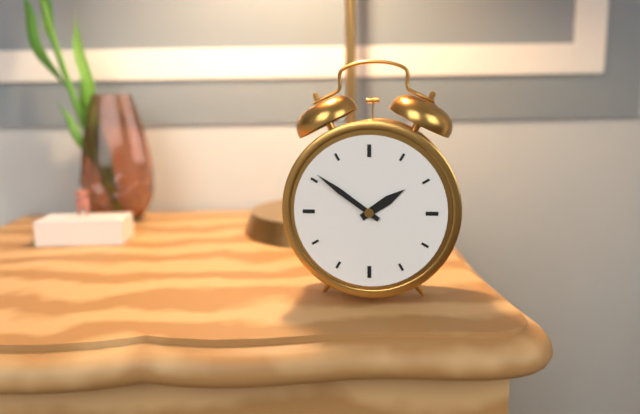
{"hour": 1, "minute": 51}
